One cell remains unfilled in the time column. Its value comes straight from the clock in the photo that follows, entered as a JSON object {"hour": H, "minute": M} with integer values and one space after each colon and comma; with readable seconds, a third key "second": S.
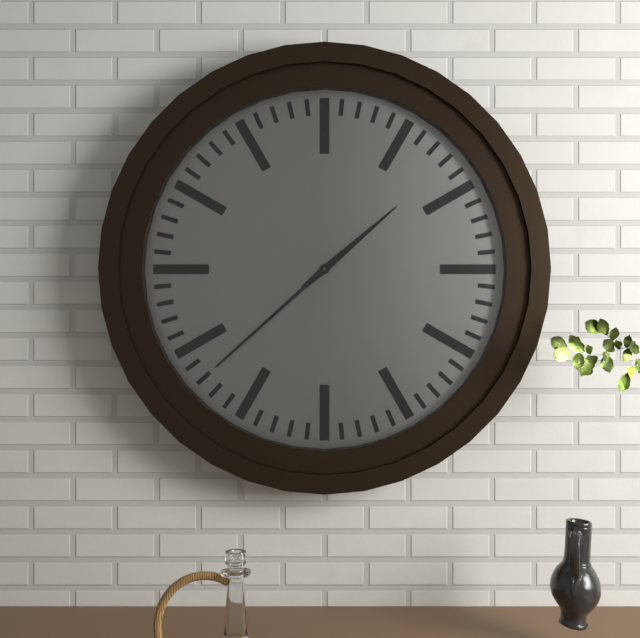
{"hour": 1, "minute": 38}
